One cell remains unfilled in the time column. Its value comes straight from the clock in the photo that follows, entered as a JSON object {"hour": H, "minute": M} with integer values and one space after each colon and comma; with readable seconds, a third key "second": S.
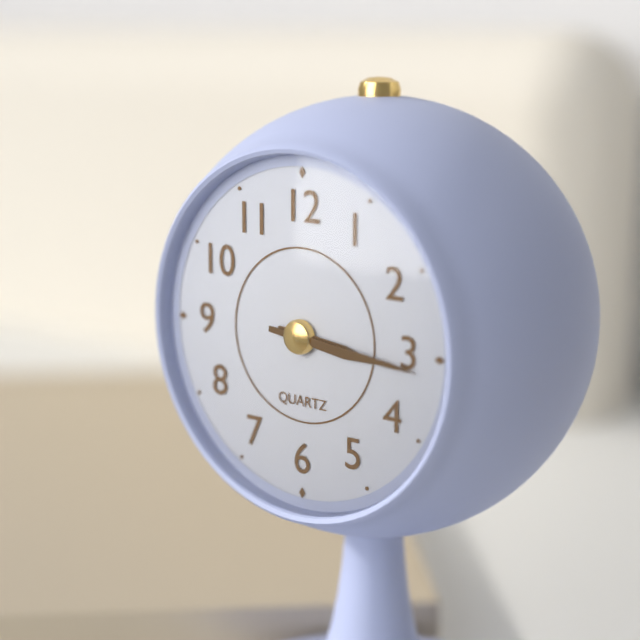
{"hour": 3, "minute": 16}
